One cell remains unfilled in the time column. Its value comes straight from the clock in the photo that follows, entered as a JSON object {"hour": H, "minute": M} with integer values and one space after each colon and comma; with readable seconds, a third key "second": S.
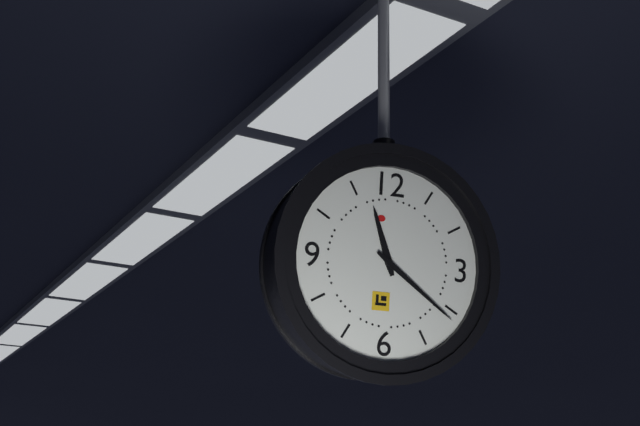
{"hour": 11, "minute": 21}
